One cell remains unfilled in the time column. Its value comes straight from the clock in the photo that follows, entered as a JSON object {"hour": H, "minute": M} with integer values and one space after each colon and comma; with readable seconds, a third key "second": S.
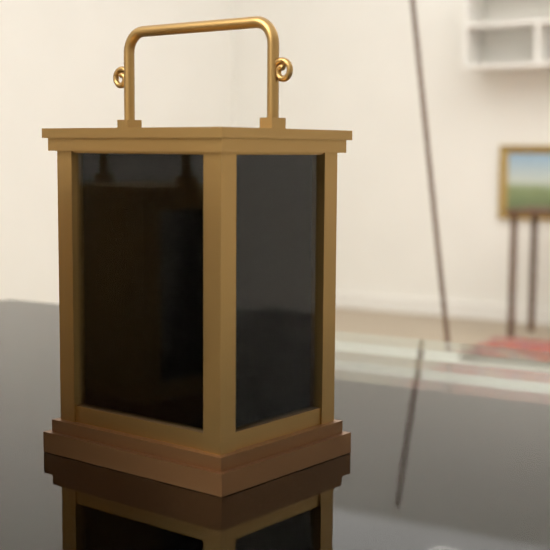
{"hour": 6, "minute": 1}
